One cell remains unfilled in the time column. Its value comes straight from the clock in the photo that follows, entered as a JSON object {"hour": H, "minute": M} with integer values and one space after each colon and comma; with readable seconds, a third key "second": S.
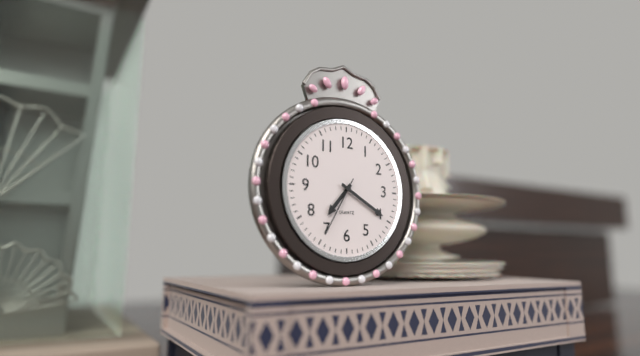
{"hour": 7, "minute": 20, "second": 35}
